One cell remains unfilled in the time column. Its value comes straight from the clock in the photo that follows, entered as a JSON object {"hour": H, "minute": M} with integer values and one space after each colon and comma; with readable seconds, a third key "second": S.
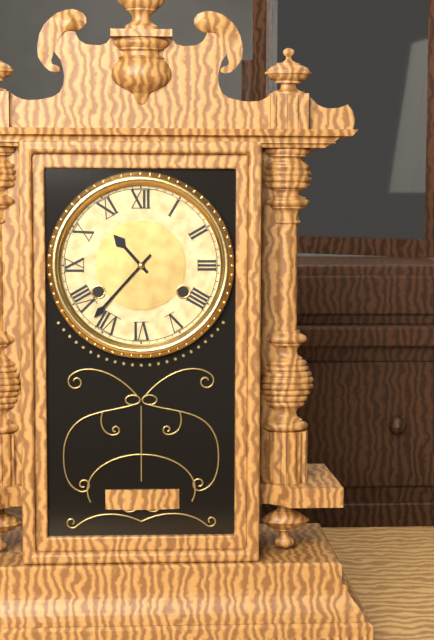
{"hour": 10, "minute": 37}
